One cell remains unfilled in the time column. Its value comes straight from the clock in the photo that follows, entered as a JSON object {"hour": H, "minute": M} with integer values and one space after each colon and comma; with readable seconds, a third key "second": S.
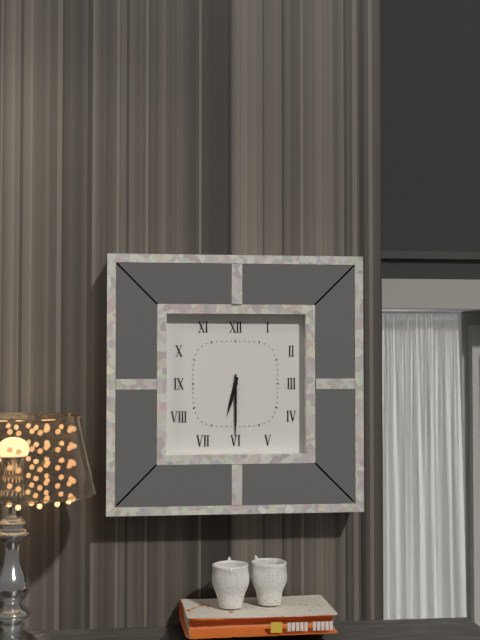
{"hour": 6, "minute": 30}
